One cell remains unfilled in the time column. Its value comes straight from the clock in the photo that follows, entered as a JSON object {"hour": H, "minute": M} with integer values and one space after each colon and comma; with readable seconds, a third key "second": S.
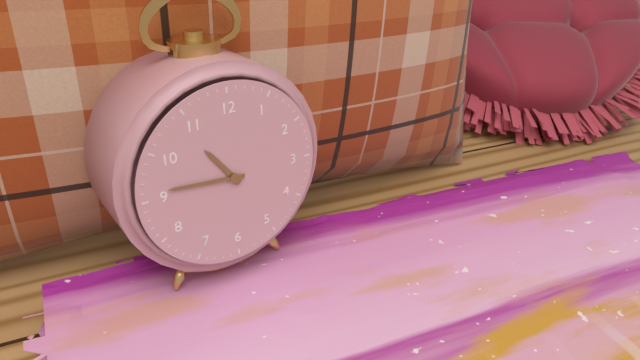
{"hour": 10, "minute": 46}
